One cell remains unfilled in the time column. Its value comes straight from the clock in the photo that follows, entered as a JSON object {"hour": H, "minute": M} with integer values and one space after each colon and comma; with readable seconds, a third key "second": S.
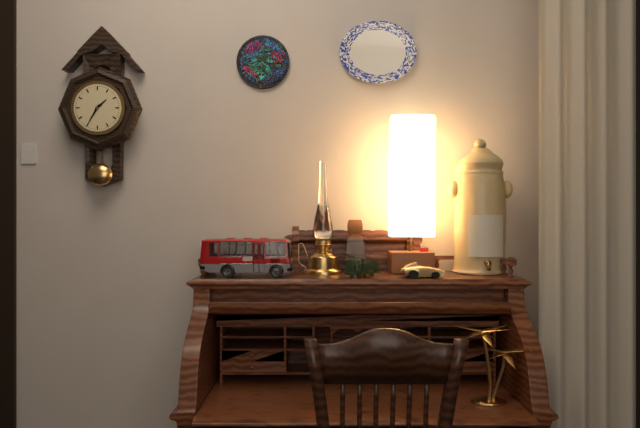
{"hour": 1, "minute": 35}
